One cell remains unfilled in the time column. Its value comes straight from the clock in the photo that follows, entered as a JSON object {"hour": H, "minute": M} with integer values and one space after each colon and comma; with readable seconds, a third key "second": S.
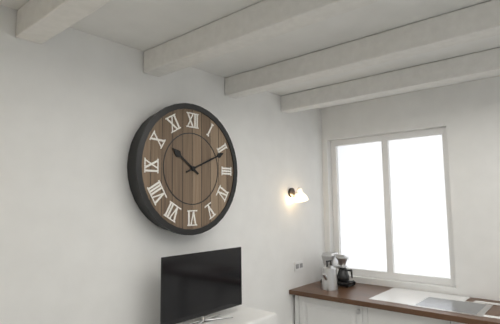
{"hour": 10, "minute": 11}
